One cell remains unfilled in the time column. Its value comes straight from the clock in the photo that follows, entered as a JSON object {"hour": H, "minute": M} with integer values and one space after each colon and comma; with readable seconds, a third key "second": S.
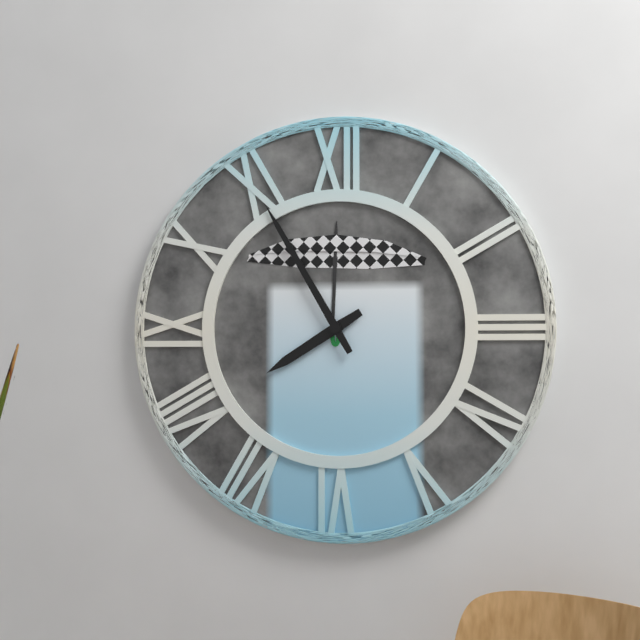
{"hour": 7, "minute": 55}
